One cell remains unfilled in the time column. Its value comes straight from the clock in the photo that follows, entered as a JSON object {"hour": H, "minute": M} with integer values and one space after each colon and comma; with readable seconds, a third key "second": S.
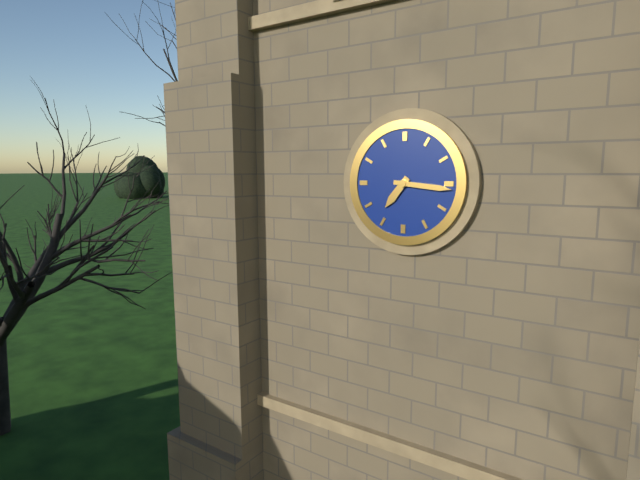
{"hour": 7, "minute": 16}
